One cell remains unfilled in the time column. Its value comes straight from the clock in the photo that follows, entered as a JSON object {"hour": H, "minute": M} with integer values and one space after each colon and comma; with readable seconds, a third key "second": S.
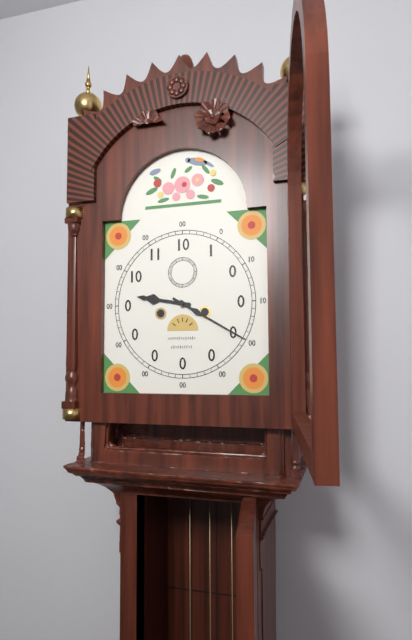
{"hour": 9, "minute": 20}
